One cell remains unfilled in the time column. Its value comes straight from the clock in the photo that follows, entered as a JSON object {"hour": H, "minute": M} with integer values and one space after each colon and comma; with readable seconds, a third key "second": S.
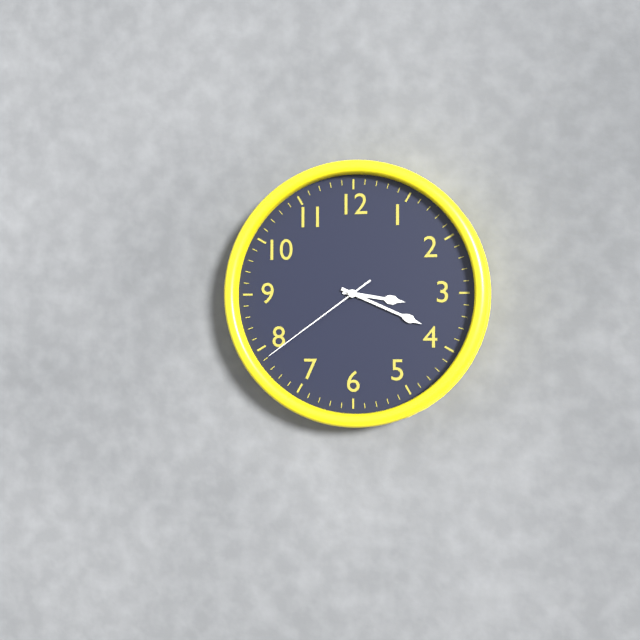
{"hour": 3, "minute": 19, "second": 39}
